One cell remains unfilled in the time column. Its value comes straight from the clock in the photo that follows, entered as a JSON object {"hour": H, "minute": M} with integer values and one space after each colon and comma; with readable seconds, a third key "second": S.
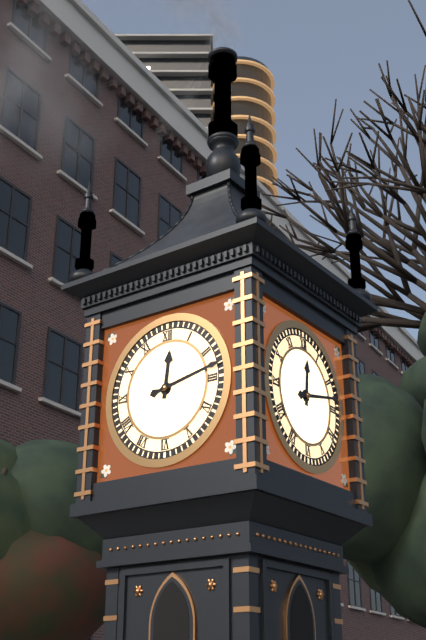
{"hour": 12, "minute": 13}
